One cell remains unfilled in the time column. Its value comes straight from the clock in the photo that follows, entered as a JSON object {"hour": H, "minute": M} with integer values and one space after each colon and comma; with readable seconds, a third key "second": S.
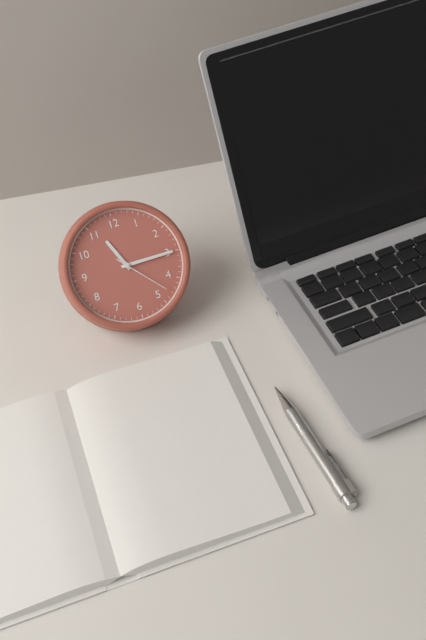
{"hour": 11, "minute": 15, "second": 23}
